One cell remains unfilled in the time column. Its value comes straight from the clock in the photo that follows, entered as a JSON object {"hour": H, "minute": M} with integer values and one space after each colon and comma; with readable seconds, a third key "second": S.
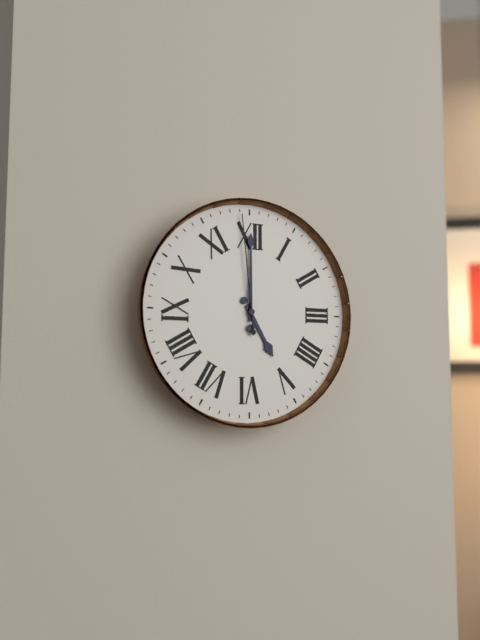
{"hour": 5, "minute": 0, "second": 59}
